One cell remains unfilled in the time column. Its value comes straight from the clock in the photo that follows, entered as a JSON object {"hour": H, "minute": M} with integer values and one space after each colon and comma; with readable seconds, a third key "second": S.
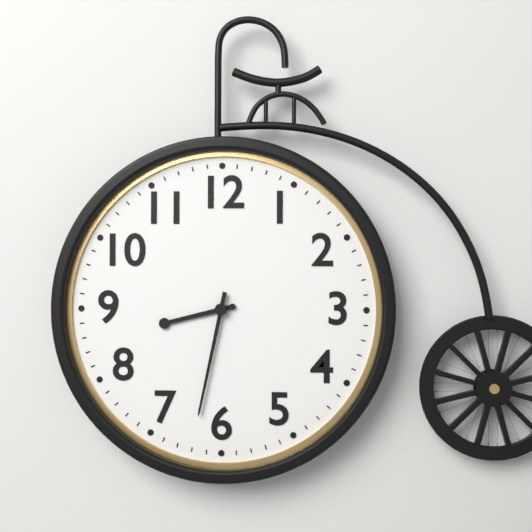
{"hour": 8, "minute": 32}
